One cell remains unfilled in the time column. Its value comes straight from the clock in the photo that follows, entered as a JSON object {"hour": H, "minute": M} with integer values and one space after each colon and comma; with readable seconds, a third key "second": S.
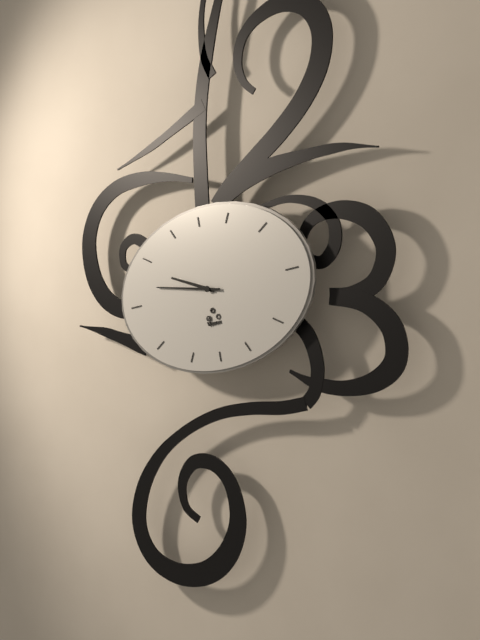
{"hour": 9, "minute": 47}
